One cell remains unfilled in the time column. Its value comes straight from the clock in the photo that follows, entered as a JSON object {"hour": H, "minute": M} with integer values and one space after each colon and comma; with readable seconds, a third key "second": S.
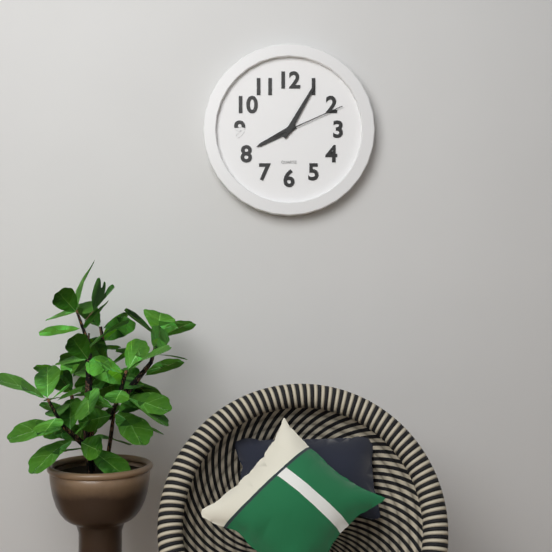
{"hour": 8, "minute": 5, "second": 11}
